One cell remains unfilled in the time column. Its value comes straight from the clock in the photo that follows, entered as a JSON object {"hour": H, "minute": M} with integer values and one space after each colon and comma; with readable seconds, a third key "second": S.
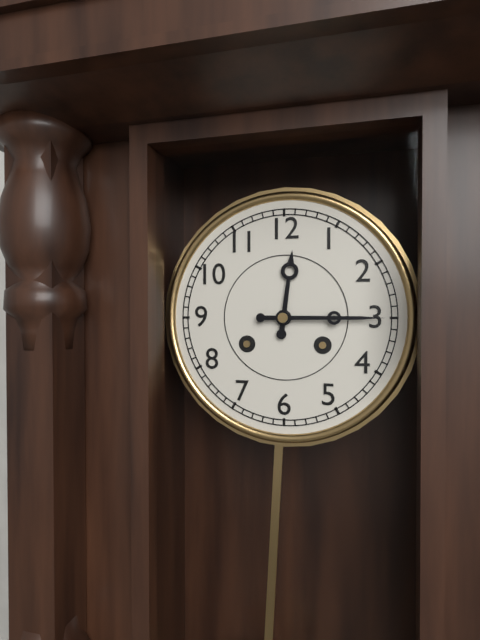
{"hour": 12, "minute": 15}
